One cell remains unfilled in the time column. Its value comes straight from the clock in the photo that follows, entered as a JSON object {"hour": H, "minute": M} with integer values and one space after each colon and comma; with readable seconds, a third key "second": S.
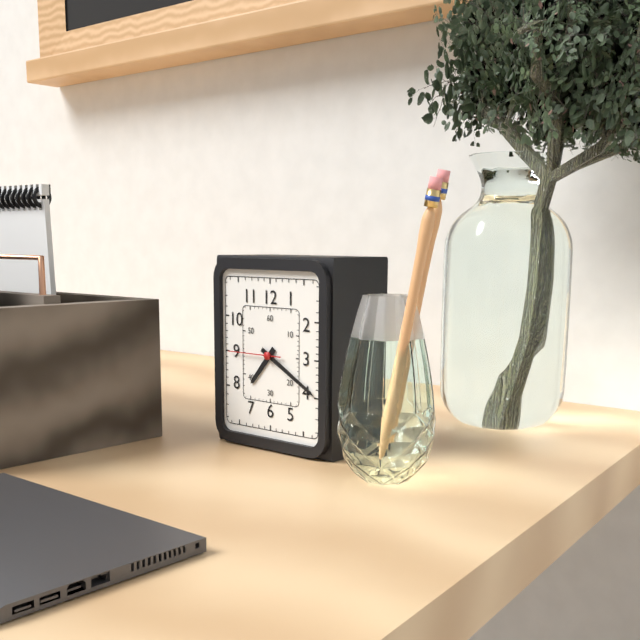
{"hour": 7, "minute": 20, "second": 45}
